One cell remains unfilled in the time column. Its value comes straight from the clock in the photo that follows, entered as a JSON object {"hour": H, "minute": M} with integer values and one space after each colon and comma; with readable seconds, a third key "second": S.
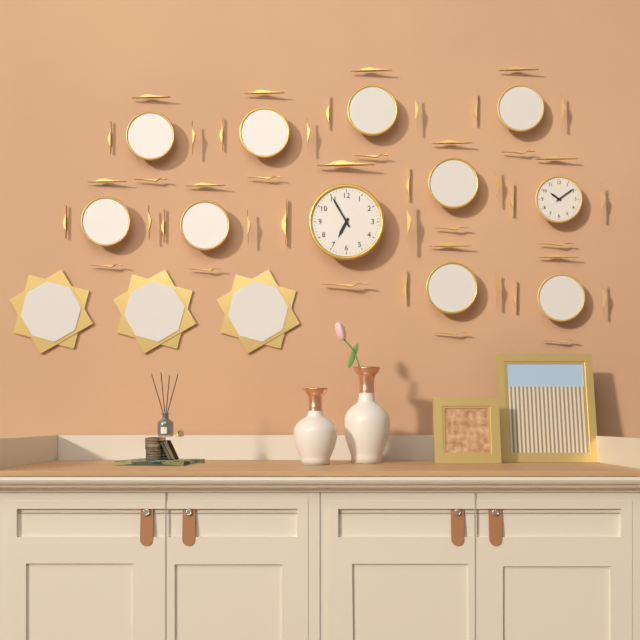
{"hour": 6, "minute": 55}
